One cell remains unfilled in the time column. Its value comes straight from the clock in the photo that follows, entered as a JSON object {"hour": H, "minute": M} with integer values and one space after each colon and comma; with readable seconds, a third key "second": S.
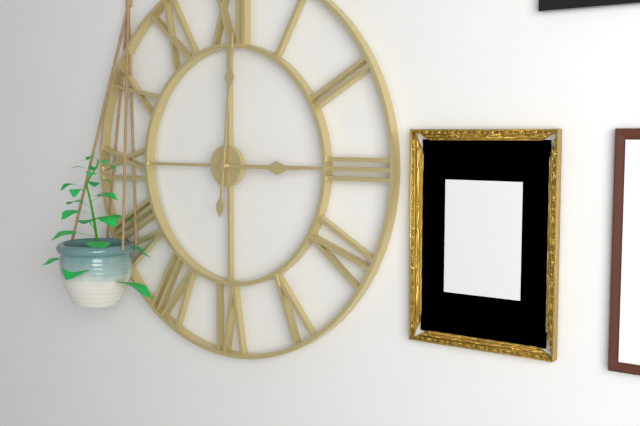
{"hour": 3, "minute": 1}
